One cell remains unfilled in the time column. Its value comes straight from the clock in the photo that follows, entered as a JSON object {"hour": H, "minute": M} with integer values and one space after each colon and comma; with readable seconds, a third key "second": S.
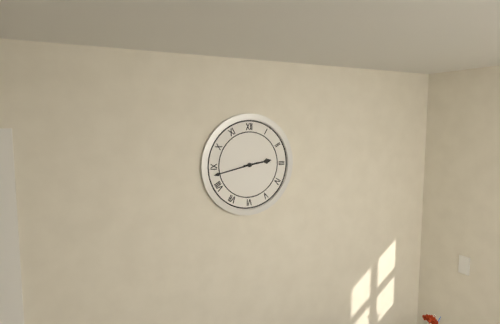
{"hour": 2, "minute": 43}
